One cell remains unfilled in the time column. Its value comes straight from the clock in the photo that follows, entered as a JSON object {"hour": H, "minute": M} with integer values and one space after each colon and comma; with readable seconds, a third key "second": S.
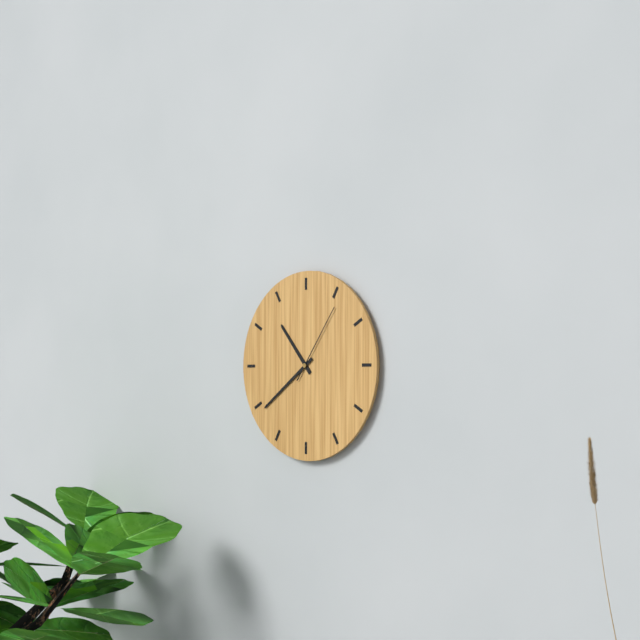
{"hour": 10, "minute": 39, "second": 6}
